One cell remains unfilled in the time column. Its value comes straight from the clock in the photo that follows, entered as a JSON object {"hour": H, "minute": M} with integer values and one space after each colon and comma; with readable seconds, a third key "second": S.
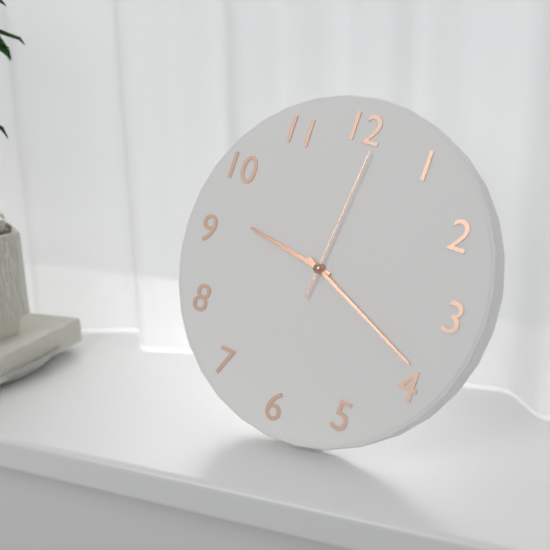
{"hour": 9, "minute": 19, "second": 1}
